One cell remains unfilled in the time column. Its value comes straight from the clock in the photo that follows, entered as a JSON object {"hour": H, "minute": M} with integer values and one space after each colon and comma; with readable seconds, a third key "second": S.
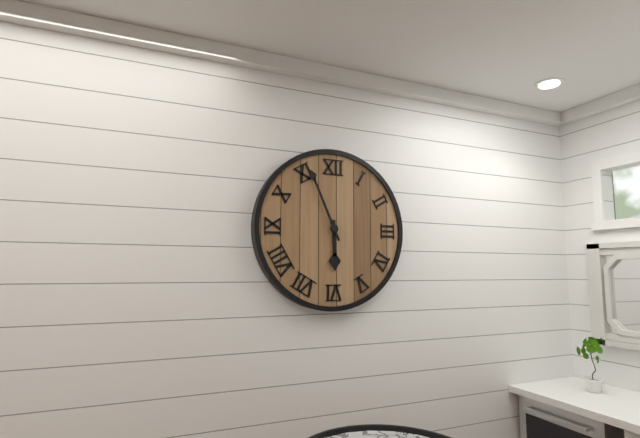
{"hour": 5, "minute": 56}
